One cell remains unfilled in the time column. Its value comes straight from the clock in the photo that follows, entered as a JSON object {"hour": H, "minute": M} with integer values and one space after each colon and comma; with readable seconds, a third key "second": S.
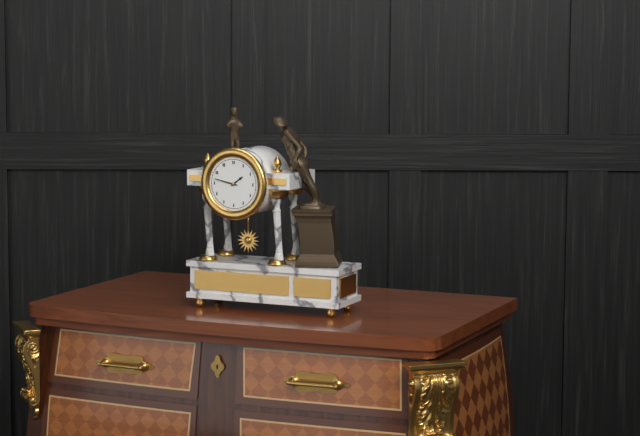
{"hour": 1, "minute": 47}
